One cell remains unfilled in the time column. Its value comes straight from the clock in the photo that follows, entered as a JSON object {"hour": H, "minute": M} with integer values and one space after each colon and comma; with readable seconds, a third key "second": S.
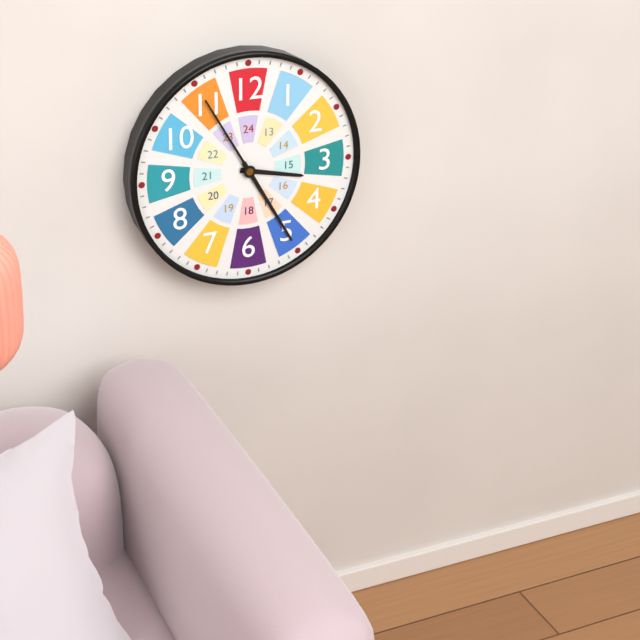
{"hour": 3, "minute": 25, "second": 55}
